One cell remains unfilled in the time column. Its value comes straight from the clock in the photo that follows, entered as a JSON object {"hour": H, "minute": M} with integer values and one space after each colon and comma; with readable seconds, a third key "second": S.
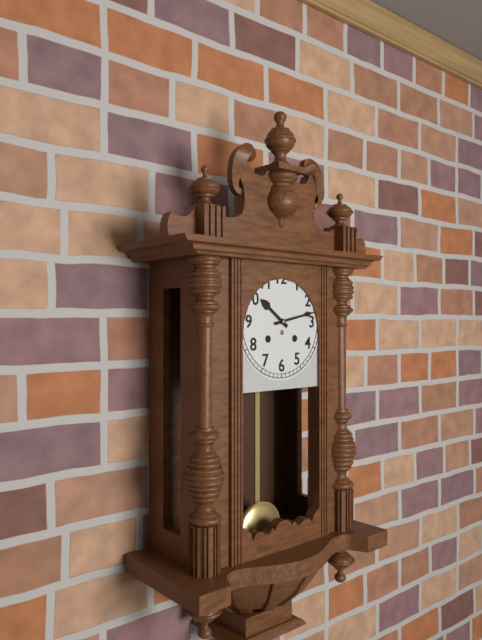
{"hour": 10, "minute": 13}
